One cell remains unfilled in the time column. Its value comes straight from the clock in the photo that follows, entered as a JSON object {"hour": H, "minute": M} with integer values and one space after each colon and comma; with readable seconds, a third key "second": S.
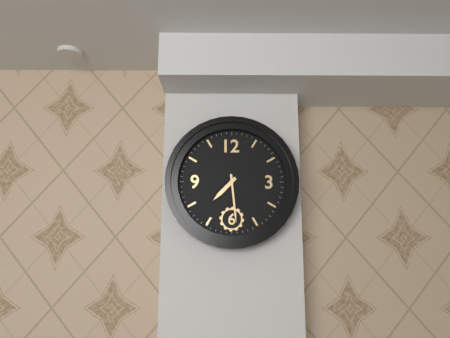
{"hour": 7, "minute": 29}
